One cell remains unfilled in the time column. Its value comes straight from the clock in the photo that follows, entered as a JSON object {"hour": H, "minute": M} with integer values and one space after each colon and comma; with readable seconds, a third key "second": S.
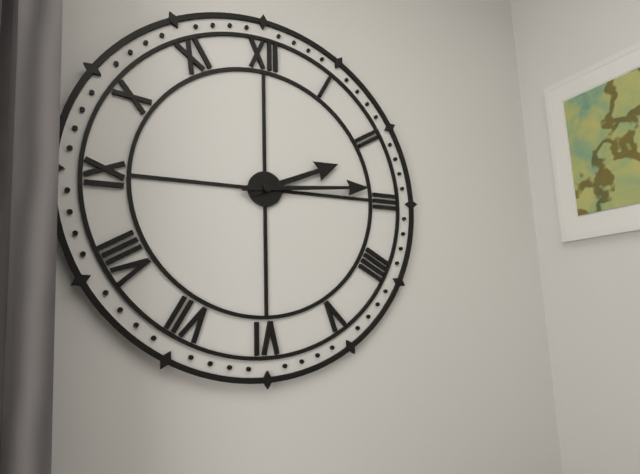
{"hour": 2, "minute": 14}
